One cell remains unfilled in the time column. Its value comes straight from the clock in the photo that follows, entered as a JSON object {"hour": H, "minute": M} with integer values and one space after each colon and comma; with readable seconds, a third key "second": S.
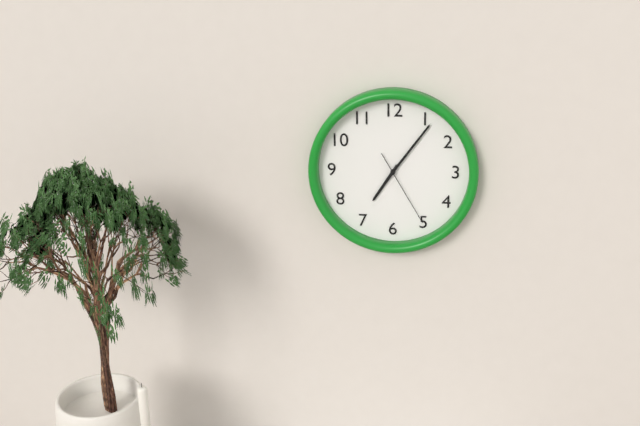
{"hour": 7, "minute": 6, "second": 25}
